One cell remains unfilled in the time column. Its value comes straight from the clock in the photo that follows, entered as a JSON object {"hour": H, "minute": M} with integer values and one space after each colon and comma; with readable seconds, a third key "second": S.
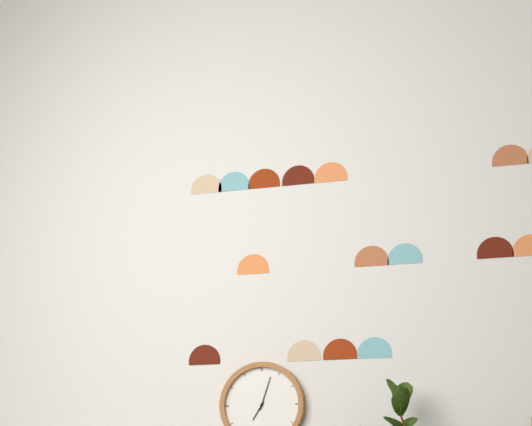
{"hour": 7, "minute": 3}
